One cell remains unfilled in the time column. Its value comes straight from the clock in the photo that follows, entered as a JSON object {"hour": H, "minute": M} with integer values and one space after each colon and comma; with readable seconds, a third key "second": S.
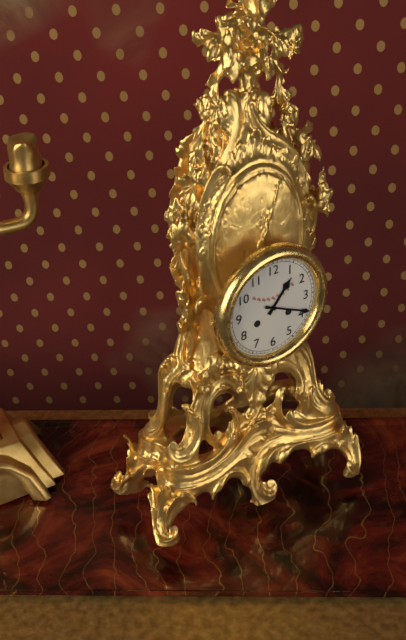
{"hour": 1, "minute": 19}
